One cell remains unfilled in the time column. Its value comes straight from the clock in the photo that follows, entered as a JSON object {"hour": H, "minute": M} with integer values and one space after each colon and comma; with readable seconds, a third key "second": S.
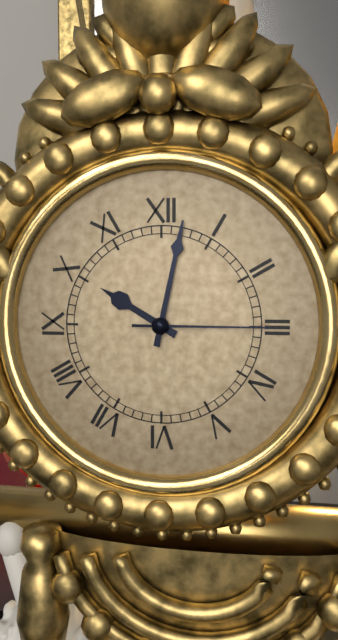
{"hour": 10, "minute": 2, "second": 15}
